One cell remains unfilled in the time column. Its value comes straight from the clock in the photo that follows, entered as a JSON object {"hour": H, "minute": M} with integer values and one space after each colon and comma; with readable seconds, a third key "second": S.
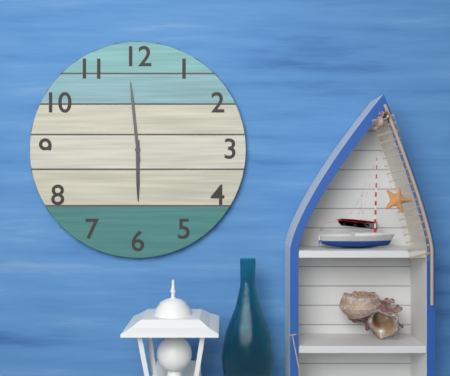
{"hour": 5, "minute": 59}
